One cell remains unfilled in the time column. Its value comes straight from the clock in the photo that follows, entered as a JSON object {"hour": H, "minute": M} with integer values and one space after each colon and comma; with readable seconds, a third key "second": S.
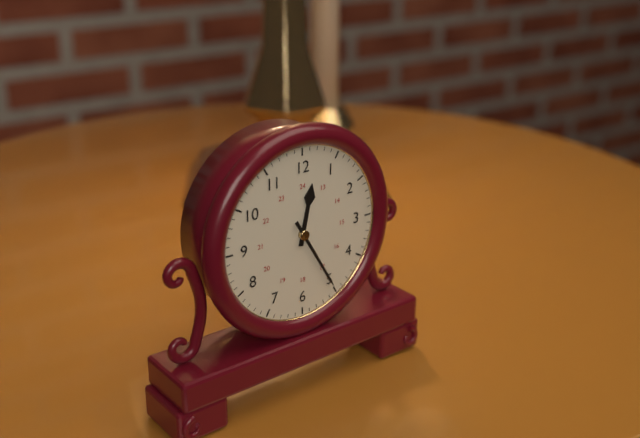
{"hour": 12, "minute": 25}
